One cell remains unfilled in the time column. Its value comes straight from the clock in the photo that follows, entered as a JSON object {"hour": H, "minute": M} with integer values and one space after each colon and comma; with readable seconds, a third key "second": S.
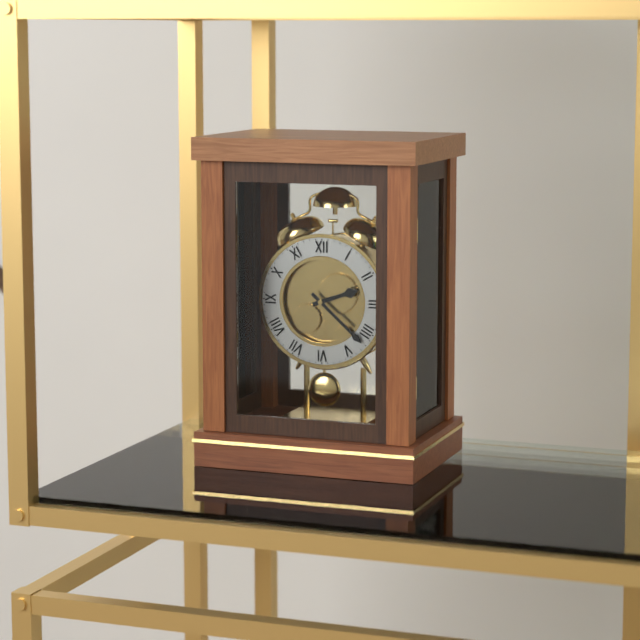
{"hour": 2, "minute": 22}
